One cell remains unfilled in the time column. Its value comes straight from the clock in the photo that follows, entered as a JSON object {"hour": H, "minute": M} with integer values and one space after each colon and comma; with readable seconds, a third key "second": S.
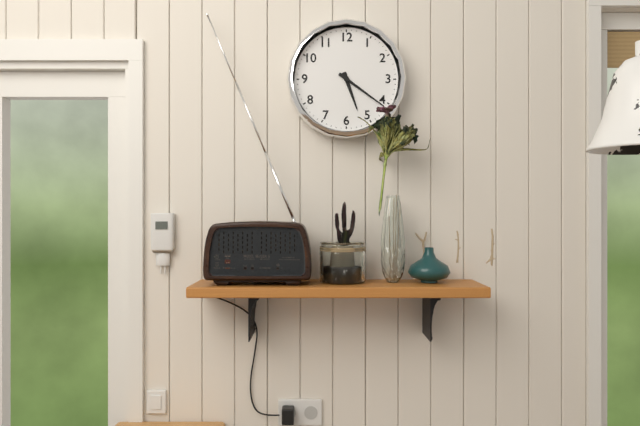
{"hour": 5, "minute": 21}
